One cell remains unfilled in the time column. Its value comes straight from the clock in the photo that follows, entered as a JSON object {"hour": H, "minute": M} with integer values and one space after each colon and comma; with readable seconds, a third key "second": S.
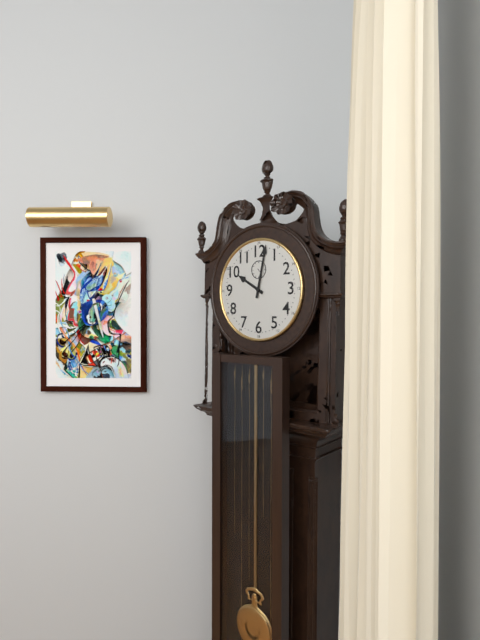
{"hour": 10, "minute": 2}
